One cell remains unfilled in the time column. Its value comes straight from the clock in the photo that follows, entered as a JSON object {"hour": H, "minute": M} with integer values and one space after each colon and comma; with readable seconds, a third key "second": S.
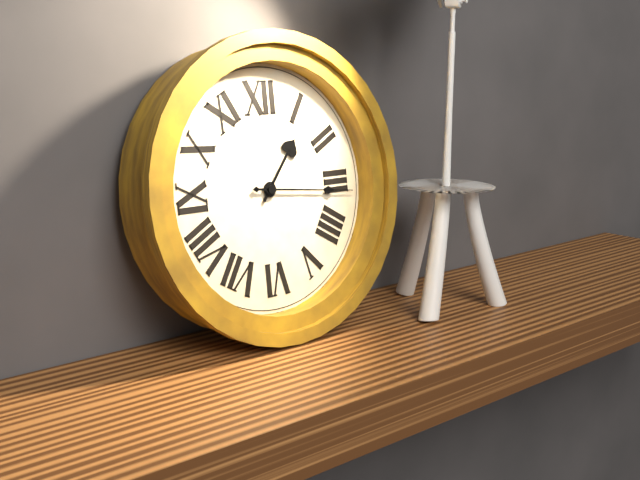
{"hour": 1, "minute": 16}
